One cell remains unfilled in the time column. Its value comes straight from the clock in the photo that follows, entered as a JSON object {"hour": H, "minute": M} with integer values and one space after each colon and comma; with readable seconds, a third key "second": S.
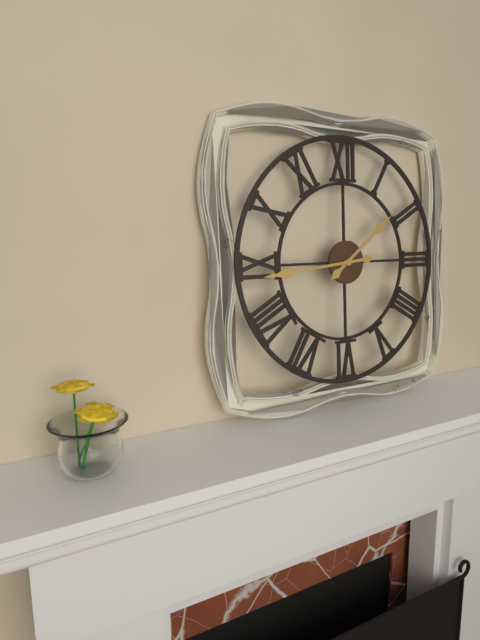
{"hour": 1, "minute": 44}
